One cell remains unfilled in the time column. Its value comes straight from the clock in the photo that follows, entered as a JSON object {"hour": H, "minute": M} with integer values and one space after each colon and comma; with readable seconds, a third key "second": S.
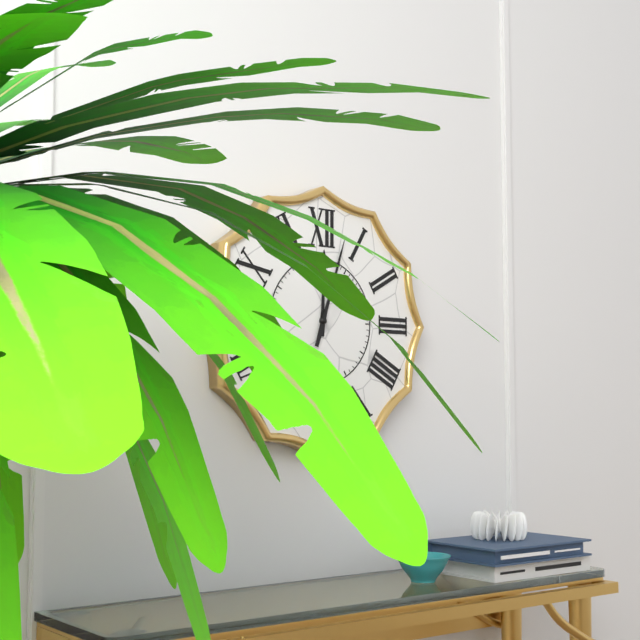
{"hour": 12, "minute": 3}
